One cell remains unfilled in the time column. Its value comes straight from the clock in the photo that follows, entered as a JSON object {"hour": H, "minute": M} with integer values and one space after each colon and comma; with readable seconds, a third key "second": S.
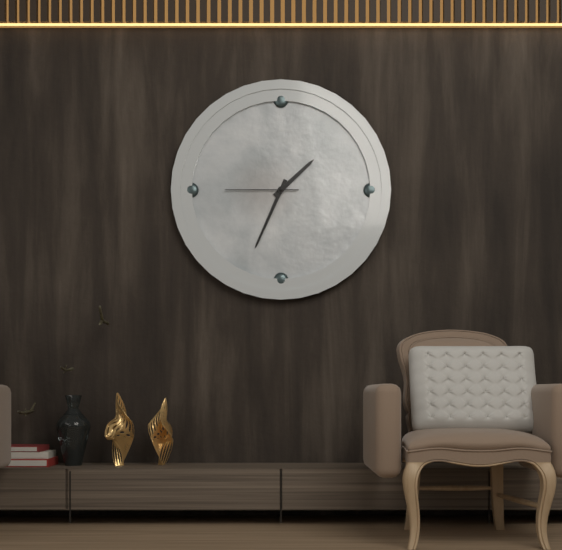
{"hour": 1, "minute": 34, "second": 45}
